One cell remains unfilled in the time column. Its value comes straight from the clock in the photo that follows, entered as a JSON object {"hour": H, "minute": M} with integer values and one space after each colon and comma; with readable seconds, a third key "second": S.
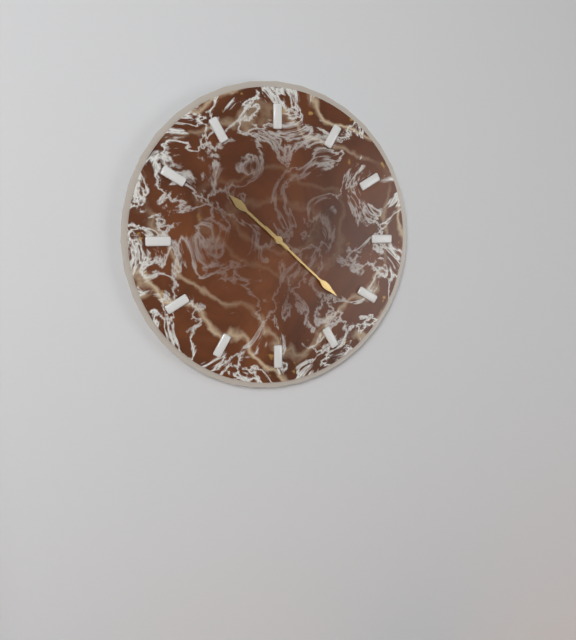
{"hour": 10, "minute": 22}
